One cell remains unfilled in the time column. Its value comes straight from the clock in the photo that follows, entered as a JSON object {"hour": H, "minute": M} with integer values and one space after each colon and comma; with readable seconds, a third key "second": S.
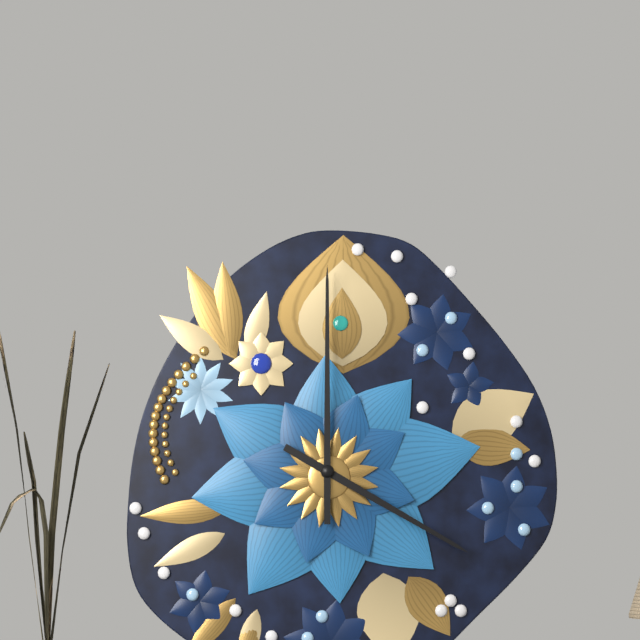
{"hour": 4, "minute": 0}
